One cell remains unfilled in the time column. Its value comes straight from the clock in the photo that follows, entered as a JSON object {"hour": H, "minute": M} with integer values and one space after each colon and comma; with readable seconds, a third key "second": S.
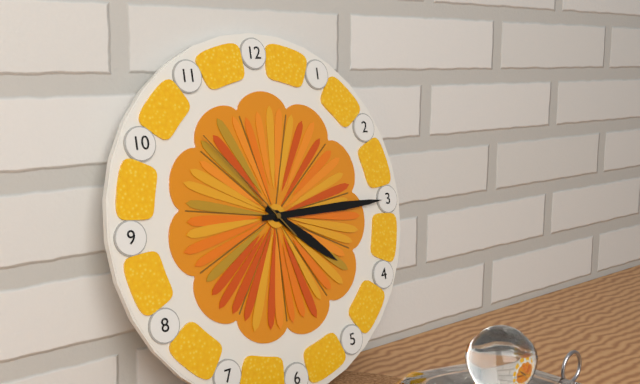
{"hour": 4, "minute": 15, "second": 53}
